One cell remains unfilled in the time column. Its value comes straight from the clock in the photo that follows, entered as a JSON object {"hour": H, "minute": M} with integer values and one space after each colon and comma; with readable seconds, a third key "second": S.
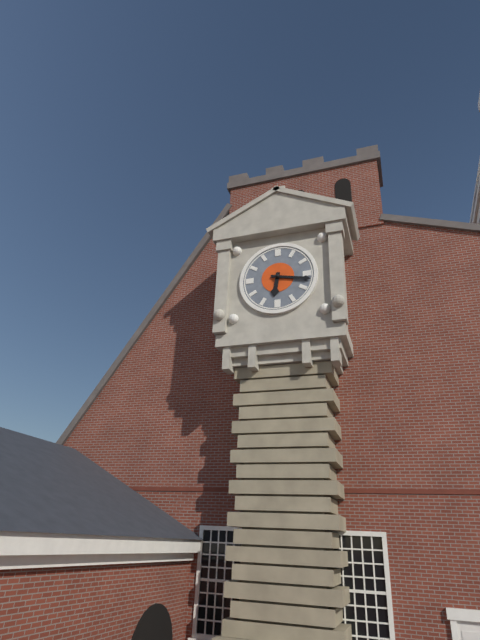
{"hour": 6, "minute": 17}
